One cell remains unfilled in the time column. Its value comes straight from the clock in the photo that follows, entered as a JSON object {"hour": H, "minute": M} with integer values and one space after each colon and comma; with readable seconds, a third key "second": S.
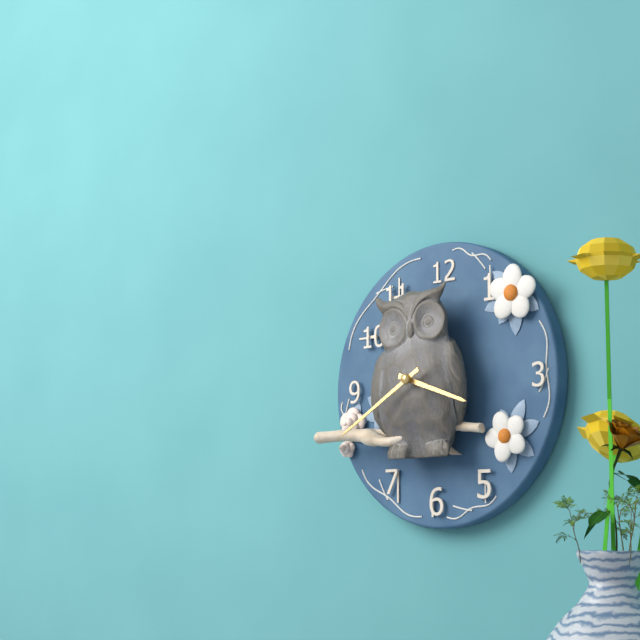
{"hour": 3, "minute": 40}
